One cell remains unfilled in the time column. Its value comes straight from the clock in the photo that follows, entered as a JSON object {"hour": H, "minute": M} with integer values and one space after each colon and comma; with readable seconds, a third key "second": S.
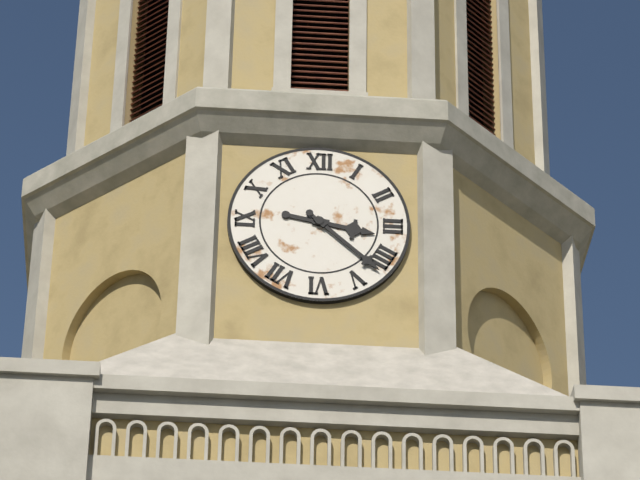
{"hour": 3, "minute": 22}
